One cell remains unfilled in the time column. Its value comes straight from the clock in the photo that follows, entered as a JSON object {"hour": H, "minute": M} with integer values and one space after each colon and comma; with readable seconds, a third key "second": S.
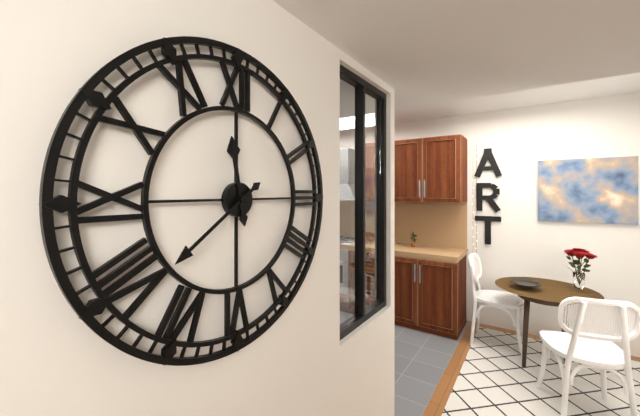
{"hour": 11, "minute": 39}
